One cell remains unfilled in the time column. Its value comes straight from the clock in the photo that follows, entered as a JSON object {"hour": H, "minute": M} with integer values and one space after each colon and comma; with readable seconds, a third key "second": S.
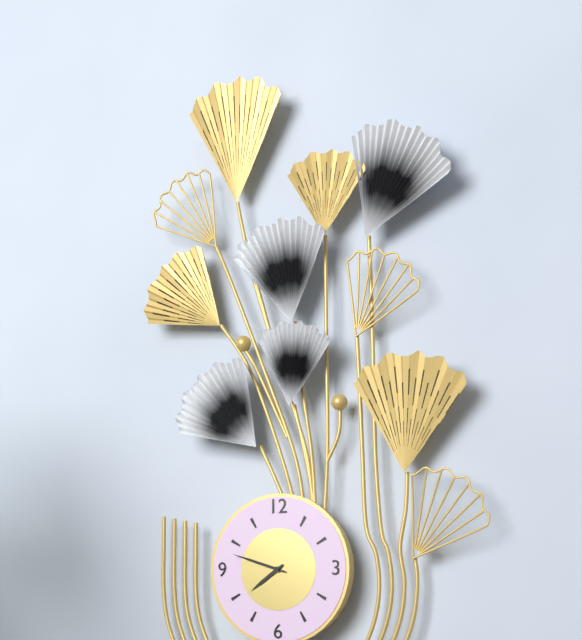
{"hour": 7, "minute": 48}
